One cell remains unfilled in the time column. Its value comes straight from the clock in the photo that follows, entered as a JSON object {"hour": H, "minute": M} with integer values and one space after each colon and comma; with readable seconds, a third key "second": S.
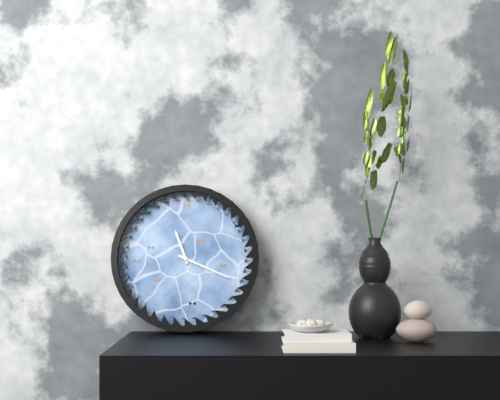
{"hour": 11, "minute": 19}
